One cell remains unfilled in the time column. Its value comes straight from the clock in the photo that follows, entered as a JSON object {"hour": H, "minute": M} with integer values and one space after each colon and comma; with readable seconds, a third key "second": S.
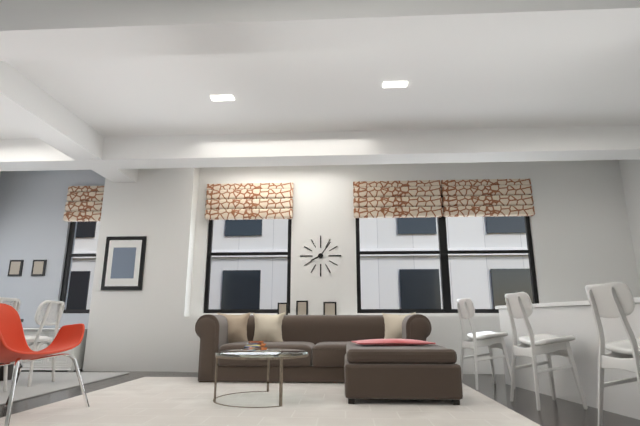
{"hour": 8, "minute": 6}
